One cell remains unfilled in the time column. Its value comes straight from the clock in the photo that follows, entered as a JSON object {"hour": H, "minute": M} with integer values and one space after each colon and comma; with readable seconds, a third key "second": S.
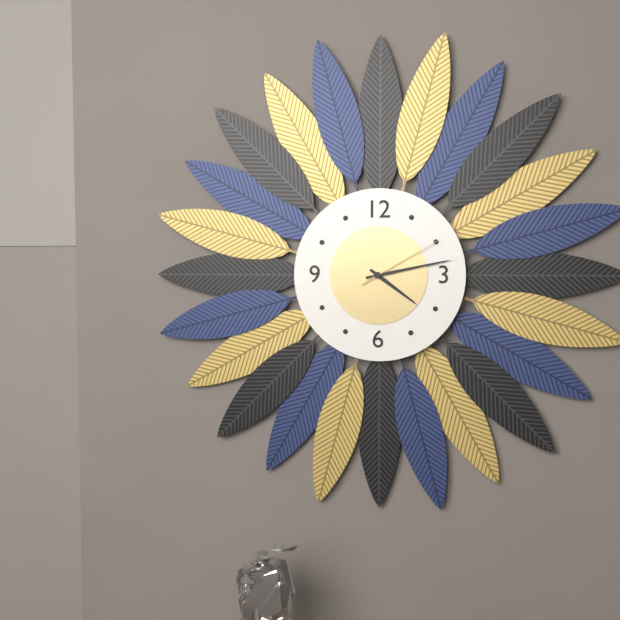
{"hour": 4, "minute": 13, "second": 10}
